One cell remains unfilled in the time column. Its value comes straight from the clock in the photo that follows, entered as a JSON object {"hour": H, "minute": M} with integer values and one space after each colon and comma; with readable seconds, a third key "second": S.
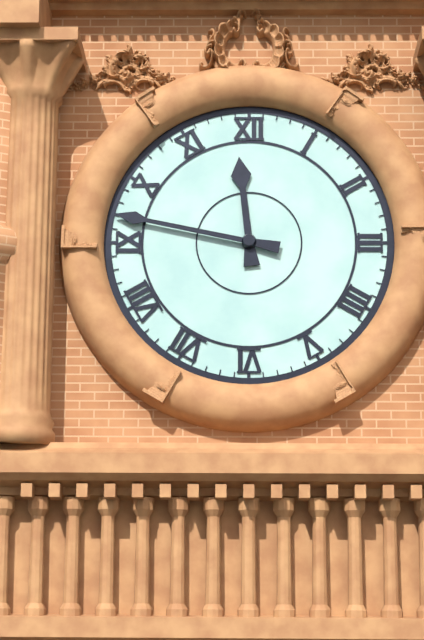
{"hour": 11, "minute": 47}
